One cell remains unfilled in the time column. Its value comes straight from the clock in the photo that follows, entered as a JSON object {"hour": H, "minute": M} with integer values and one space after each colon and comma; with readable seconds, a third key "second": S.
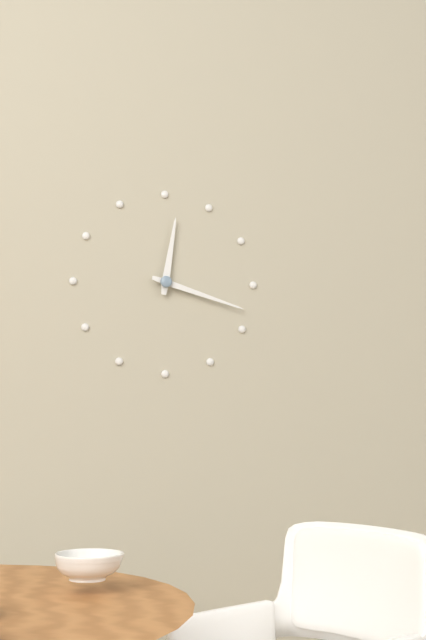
{"hour": 12, "minute": 18}
